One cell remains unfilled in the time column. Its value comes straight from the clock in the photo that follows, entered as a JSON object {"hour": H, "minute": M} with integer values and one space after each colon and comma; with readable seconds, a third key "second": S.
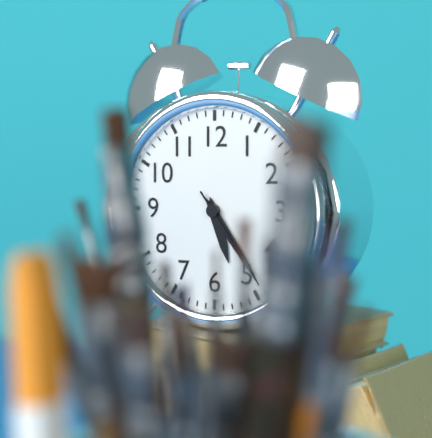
{"hour": 5, "minute": 24, "second": 24}
